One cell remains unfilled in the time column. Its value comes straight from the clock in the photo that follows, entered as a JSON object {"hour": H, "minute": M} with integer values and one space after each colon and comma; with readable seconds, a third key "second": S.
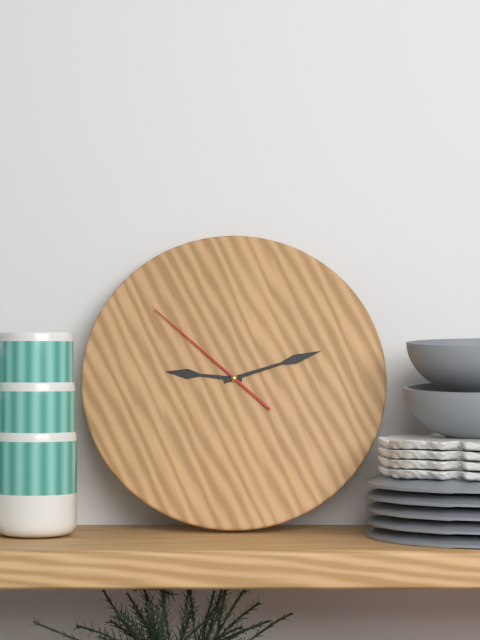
{"hour": 9, "minute": 12, "second": 52}
